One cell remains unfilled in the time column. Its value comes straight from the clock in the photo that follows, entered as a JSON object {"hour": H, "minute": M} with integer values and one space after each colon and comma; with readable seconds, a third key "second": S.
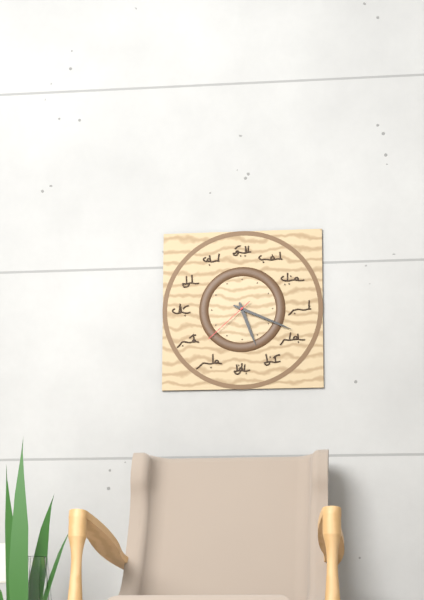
{"hour": 5, "minute": 19, "second": 38}
